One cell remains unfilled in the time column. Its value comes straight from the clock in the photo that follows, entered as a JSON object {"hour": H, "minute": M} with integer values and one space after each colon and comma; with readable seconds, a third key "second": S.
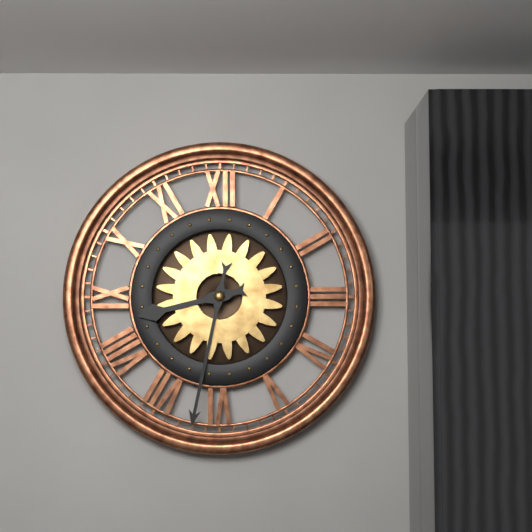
{"hour": 8, "minute": 32}
